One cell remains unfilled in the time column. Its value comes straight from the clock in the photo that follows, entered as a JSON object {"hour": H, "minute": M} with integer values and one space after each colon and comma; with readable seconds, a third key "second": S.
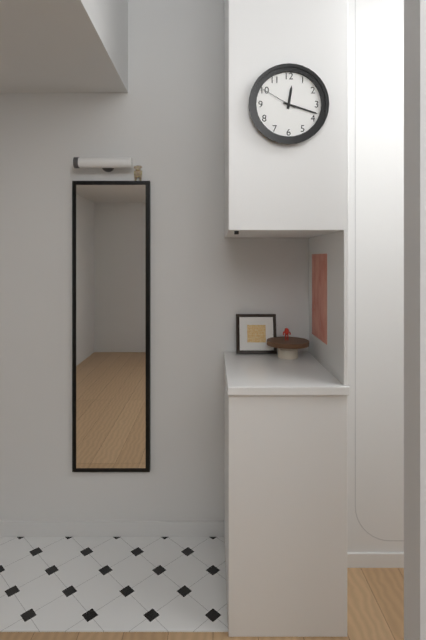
{"hour": 12, "minute": 18}
